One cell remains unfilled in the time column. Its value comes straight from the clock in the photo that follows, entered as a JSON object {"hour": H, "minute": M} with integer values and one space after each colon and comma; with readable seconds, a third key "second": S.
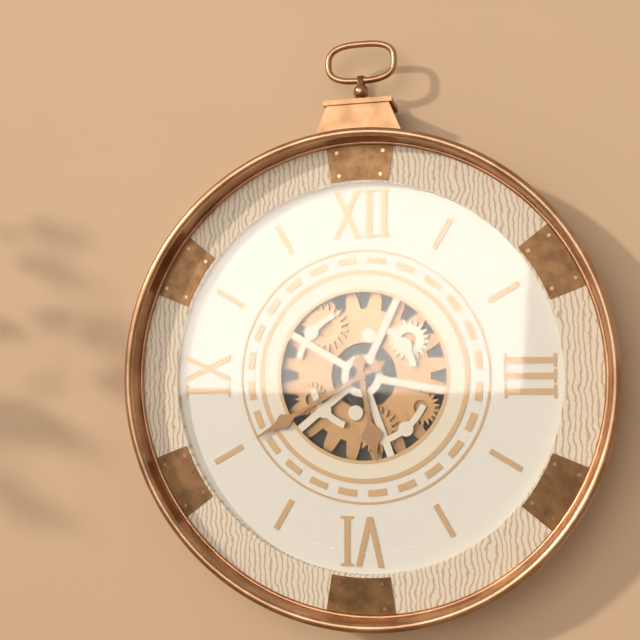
{"hour": 5, "minute": 40}
